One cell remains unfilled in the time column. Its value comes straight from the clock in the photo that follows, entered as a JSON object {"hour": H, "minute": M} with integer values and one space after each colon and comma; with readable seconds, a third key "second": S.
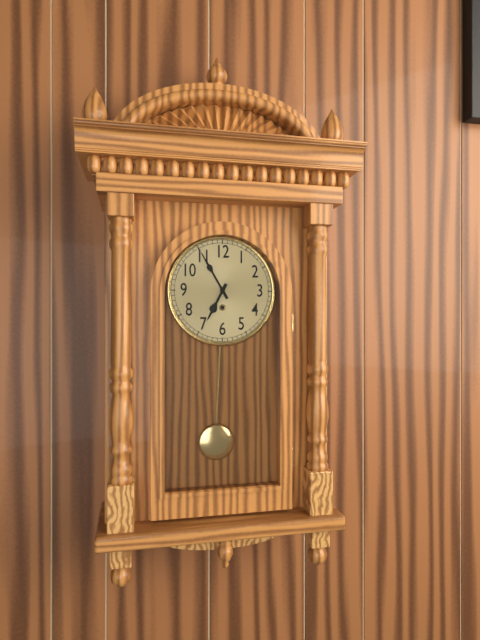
{"hour": 6, "minute": 55}
